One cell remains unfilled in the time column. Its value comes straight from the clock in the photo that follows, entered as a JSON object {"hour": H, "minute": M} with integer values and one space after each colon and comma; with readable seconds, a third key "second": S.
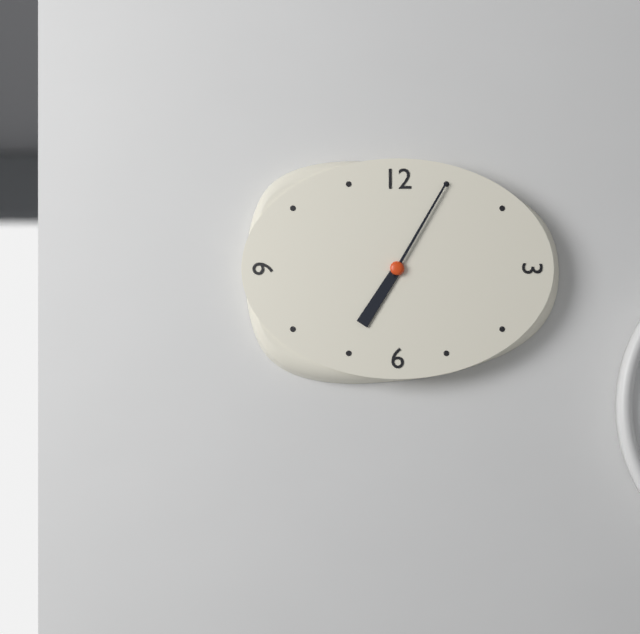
{"hour": 7, "minute": 5}
